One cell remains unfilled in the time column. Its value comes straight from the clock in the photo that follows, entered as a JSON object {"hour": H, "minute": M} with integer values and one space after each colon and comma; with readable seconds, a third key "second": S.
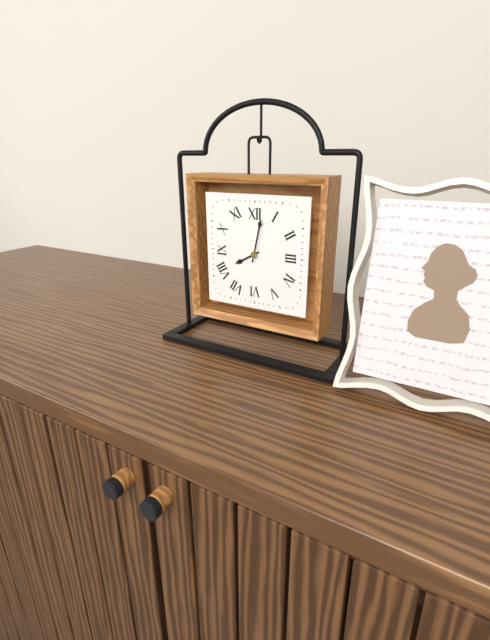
{"hour": 8, "minute": 2}
